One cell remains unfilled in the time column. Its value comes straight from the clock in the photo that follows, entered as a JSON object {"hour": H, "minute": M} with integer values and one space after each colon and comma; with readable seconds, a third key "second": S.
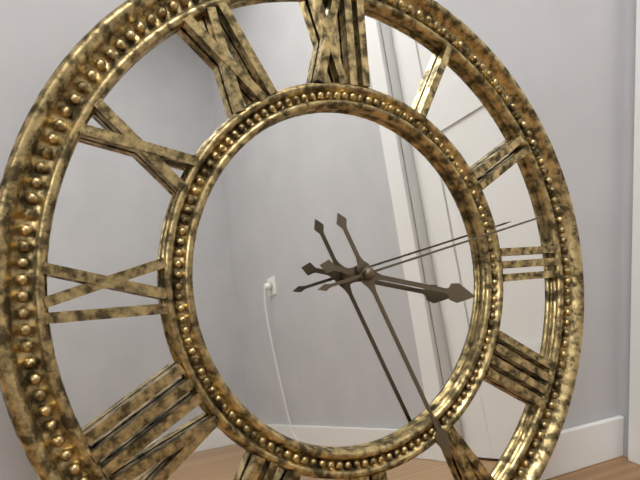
{"hour": 3, "minute": 26, "second": 13}
